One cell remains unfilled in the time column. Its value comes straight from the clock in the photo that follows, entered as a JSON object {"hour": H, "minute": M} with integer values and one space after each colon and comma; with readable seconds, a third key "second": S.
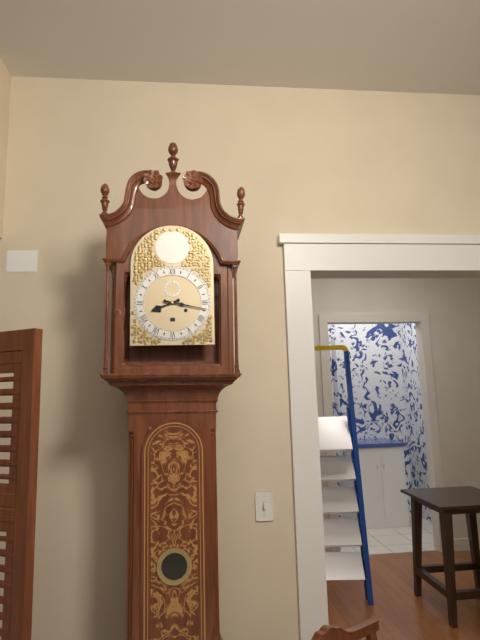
{"hour": 8, "minute": 17}
